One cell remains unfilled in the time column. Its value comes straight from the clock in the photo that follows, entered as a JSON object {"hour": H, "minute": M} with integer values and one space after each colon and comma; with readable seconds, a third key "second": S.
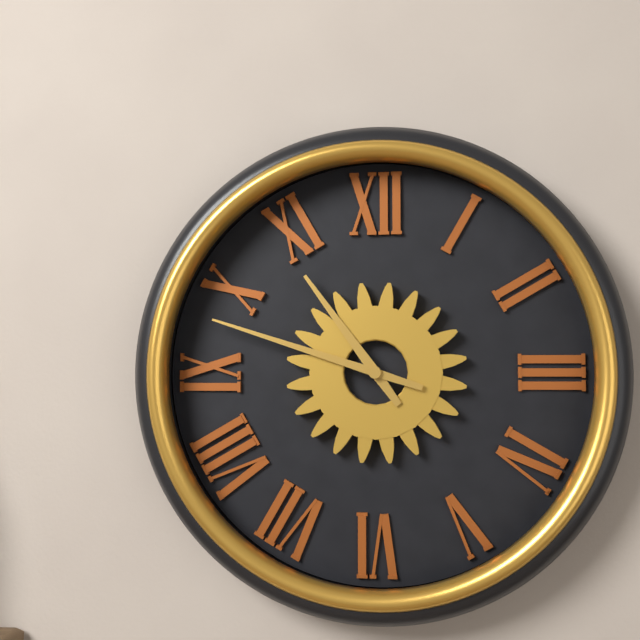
{"hour": 10, "minute": 48}
